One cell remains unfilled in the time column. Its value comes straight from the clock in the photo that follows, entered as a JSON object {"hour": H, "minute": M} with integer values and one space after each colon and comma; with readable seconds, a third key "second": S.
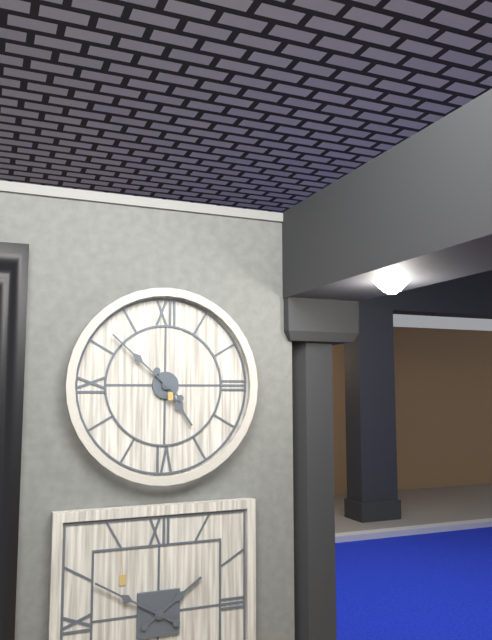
{"hour": 4, "minute": 52}
